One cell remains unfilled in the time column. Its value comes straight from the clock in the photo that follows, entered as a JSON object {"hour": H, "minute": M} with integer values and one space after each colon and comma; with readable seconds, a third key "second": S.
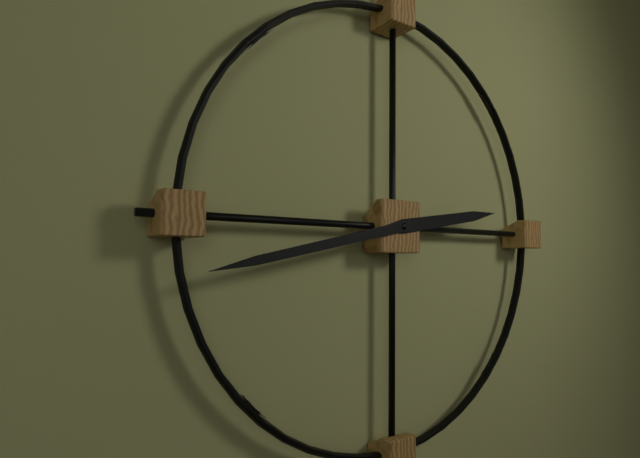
{"hour": 2, "minute": 43}
